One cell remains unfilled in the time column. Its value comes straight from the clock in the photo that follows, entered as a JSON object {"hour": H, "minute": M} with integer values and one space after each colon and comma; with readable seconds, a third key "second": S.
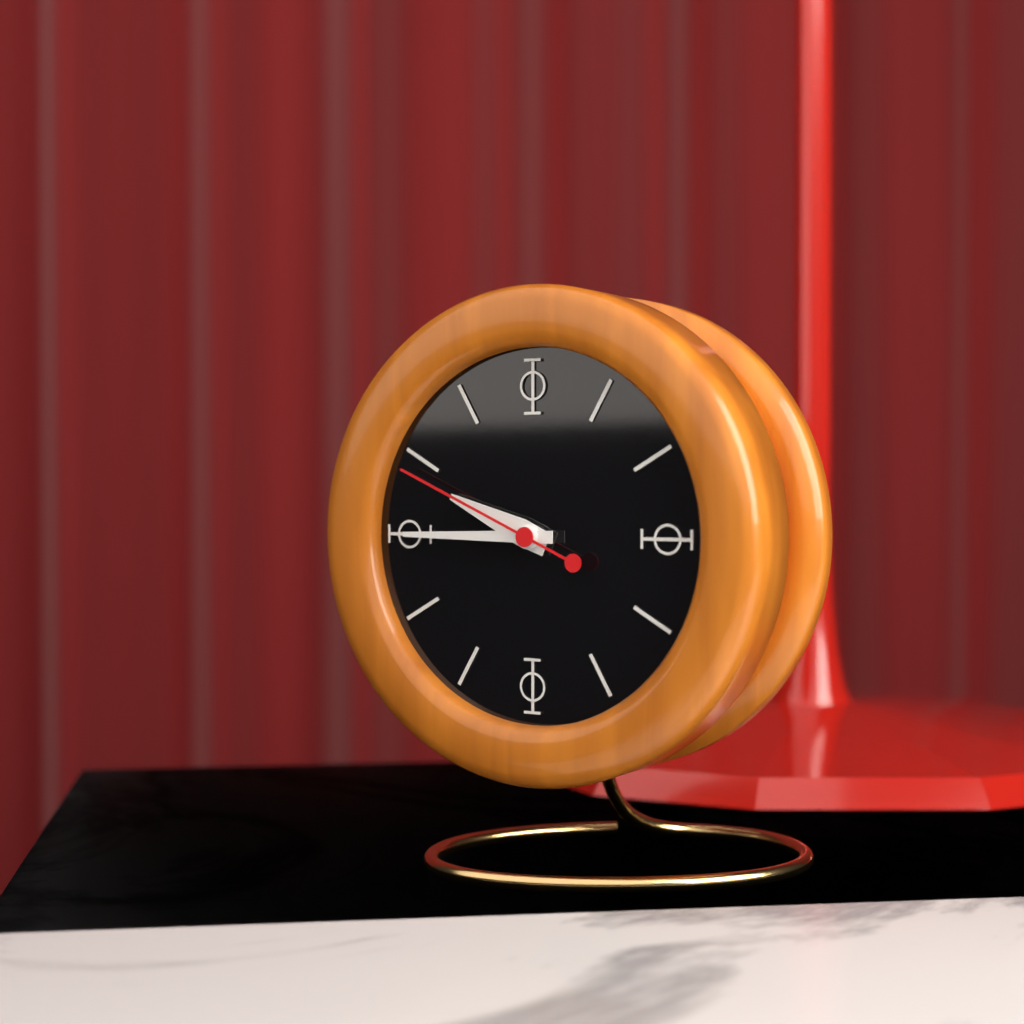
{"hour": 9, "minute": 45, "second": 49}
